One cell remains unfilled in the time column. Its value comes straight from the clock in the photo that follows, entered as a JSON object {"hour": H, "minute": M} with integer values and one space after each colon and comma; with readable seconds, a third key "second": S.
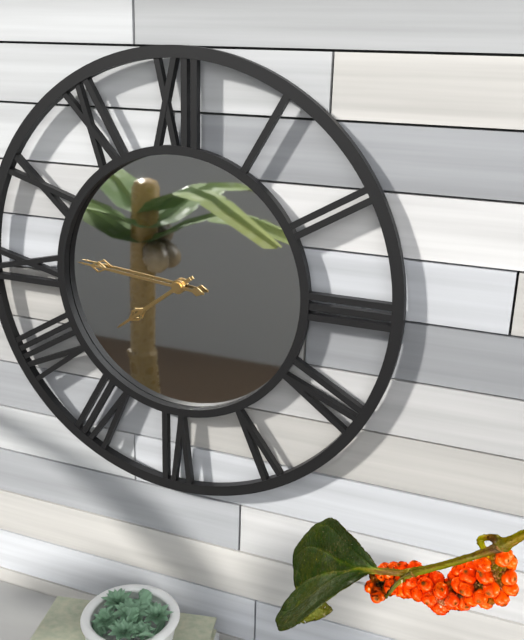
{"hour": 7, "minute": 46}
